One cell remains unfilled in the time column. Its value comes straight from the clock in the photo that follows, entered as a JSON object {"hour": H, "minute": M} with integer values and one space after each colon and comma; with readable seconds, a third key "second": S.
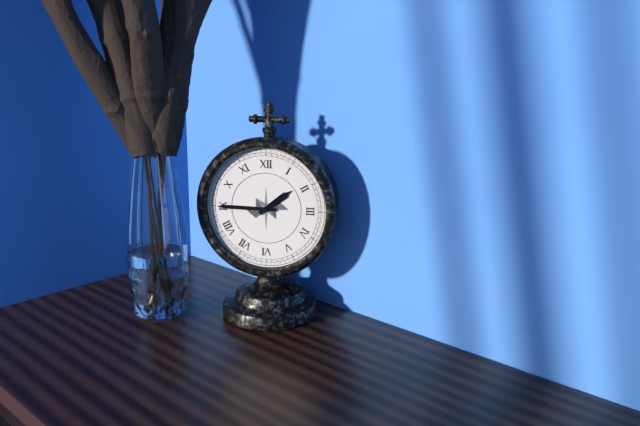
{"hour": 1, "minute": 45}
